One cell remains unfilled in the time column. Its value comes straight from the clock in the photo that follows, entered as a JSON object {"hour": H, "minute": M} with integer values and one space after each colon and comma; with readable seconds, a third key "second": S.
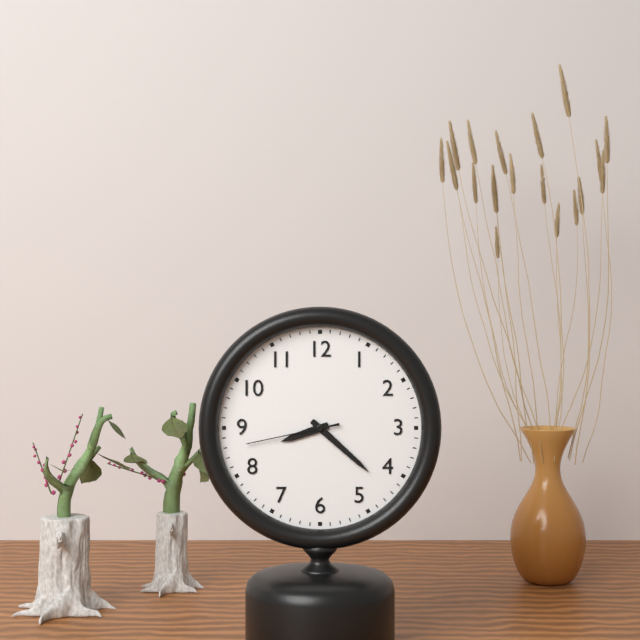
{"hour": 8, "minute": 22, "second": 43}
